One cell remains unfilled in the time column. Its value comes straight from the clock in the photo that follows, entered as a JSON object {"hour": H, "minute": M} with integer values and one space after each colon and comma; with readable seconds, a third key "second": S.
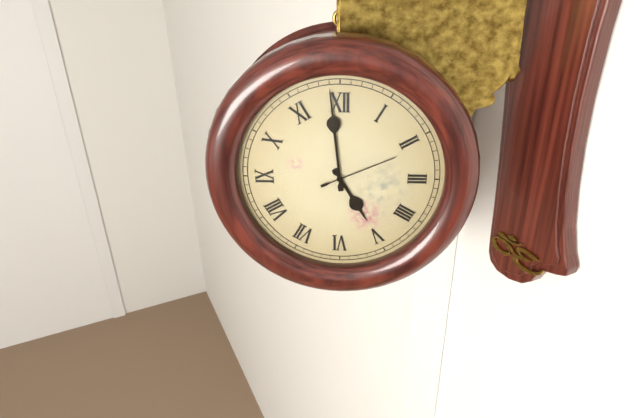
{"hour": 4, "minute": 59, "second": 11}
